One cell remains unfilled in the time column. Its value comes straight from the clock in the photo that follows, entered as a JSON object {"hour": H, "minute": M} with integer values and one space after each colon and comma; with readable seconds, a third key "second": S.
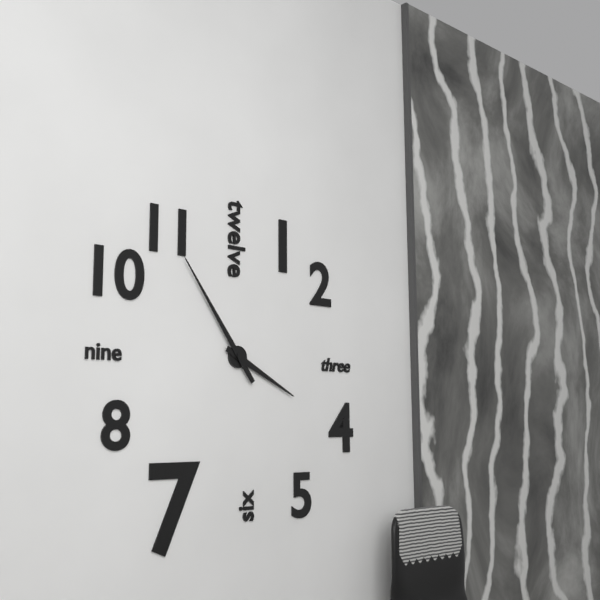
{"hour": 3, "minute": 54}
